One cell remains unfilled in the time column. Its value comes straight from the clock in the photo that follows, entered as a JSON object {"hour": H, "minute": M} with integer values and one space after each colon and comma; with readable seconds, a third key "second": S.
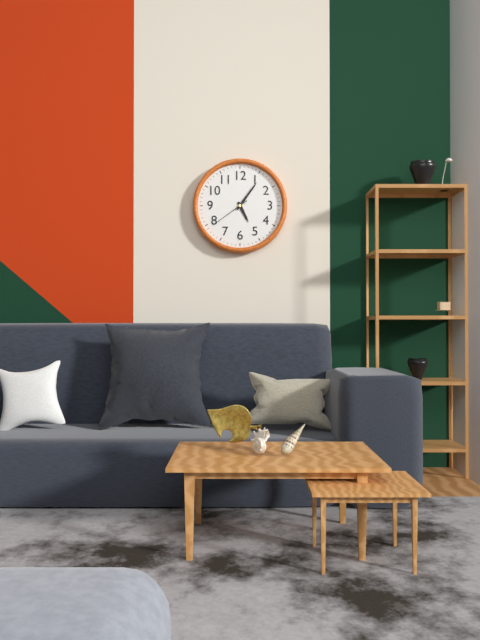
{"hour": 5, "minute": 6}
